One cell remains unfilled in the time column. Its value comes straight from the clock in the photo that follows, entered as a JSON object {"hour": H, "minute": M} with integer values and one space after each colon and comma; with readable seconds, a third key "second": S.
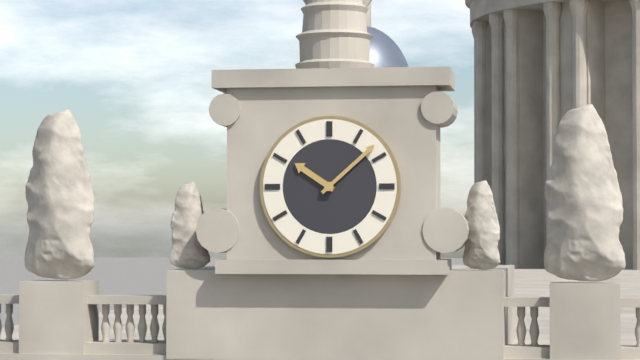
{"hour": 10, "minute": 8}
